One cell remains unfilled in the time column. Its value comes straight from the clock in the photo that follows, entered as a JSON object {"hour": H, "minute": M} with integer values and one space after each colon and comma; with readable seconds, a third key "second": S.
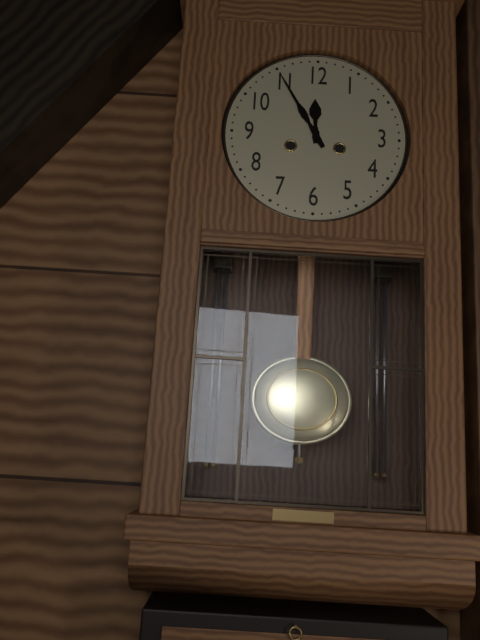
{"hour": 11, "minute": 55}
